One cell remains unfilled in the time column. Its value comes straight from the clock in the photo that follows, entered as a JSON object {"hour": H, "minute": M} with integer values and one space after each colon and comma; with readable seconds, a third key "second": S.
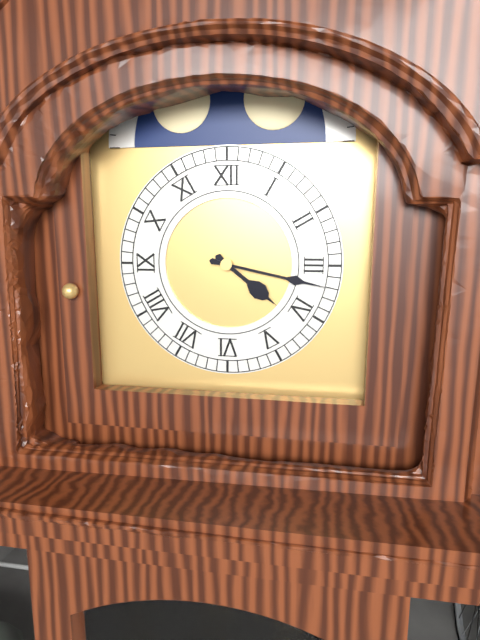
{"hour": 4, "minute": 17}
